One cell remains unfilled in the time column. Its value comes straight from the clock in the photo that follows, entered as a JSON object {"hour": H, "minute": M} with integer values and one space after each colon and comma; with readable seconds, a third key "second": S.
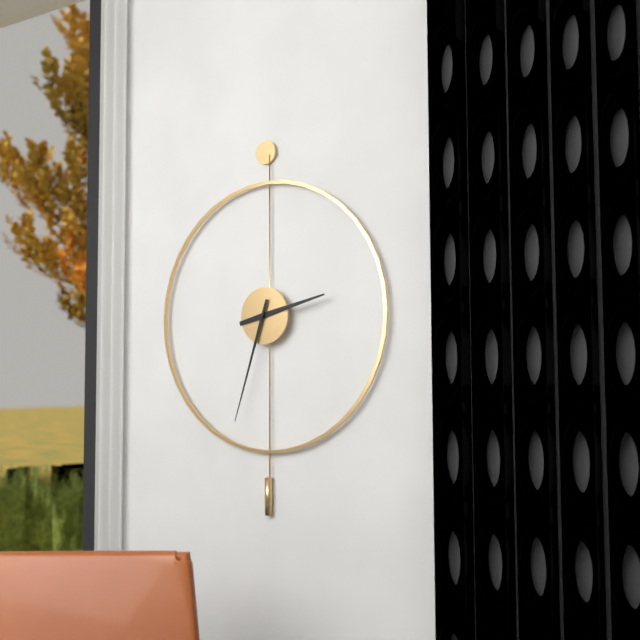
{"hour": 2, "minute": 33}
